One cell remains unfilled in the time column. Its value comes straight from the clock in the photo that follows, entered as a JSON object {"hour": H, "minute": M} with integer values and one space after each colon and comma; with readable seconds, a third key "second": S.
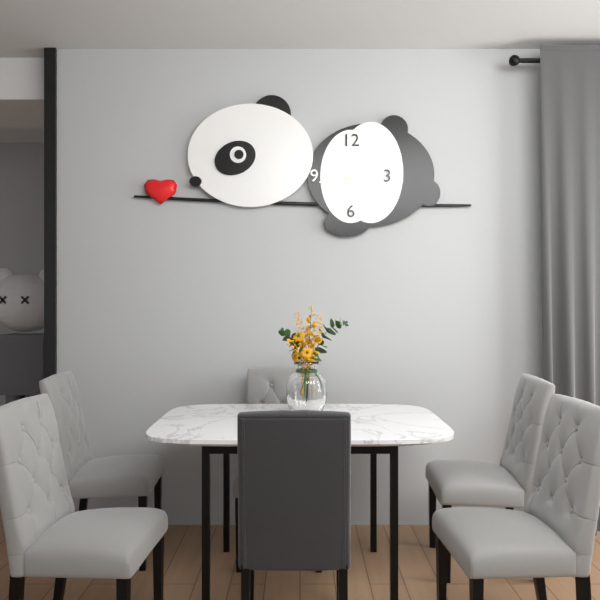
{"hour": 1, "minute": 43}
